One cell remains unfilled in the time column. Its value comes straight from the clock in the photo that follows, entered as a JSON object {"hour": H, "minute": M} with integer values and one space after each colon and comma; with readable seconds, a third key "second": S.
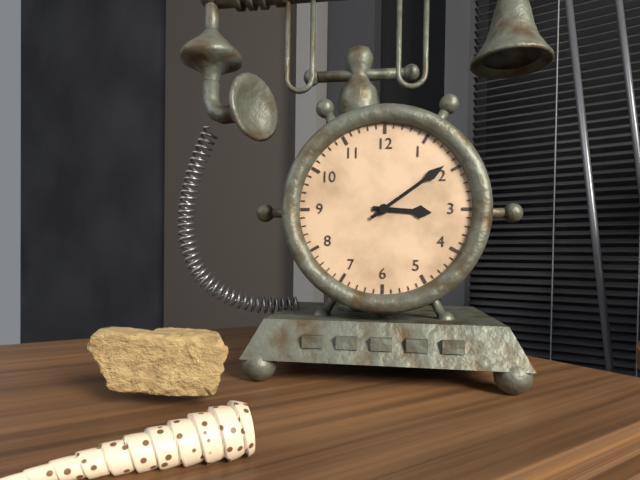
{"hour": 3, "minute": 9}
